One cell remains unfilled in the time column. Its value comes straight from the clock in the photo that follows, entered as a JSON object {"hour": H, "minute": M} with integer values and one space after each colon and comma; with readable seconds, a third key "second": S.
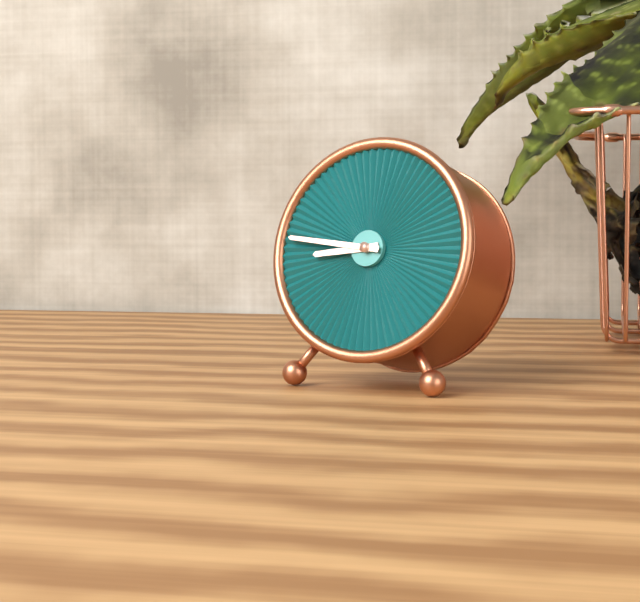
{"hour": 8, "minute": 46}
